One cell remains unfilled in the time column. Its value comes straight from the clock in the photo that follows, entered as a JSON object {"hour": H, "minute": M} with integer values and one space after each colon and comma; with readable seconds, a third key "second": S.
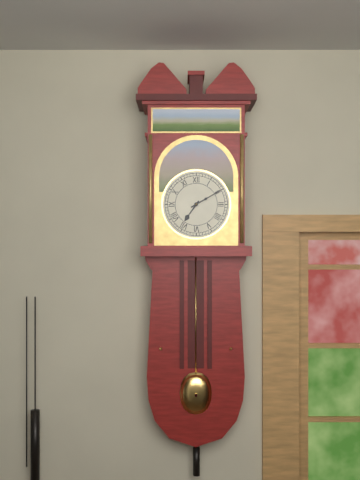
{"hour": 7, "minute": 10}
